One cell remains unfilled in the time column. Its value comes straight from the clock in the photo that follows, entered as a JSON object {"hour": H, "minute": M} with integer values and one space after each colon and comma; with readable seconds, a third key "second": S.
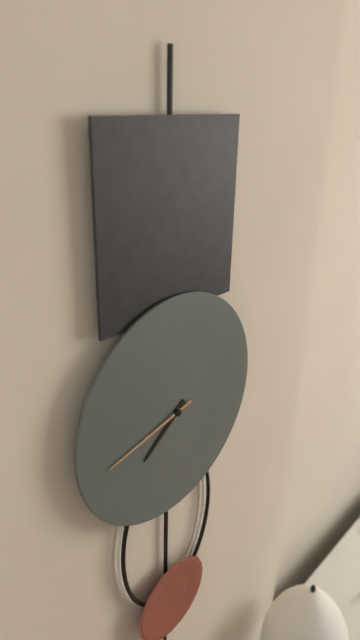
{"hour": 7, "minute": 43}
